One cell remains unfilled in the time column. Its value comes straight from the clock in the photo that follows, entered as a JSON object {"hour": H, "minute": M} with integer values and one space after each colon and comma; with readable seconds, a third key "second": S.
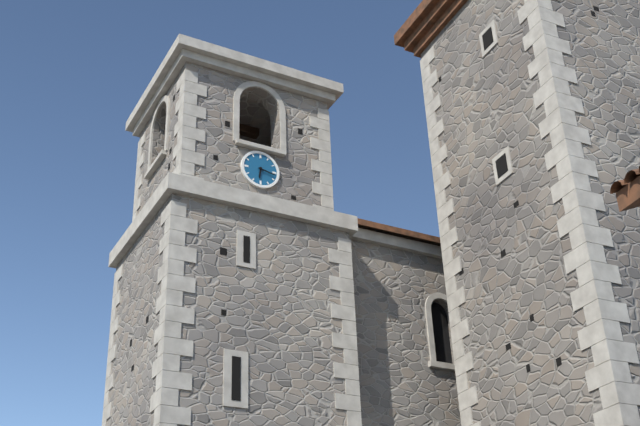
{"hour": 6, "minute": 17}
